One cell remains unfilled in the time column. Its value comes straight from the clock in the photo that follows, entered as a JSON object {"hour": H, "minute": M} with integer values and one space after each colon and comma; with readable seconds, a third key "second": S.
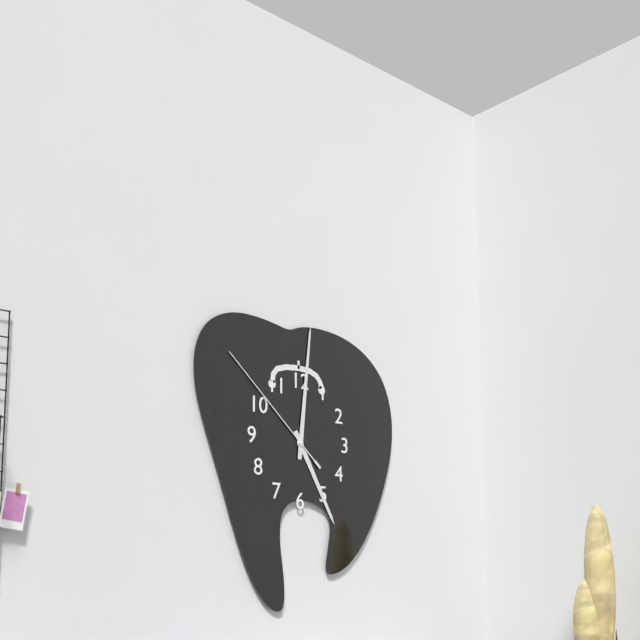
{"hour": 5, "minute": 1, "second": 52}
